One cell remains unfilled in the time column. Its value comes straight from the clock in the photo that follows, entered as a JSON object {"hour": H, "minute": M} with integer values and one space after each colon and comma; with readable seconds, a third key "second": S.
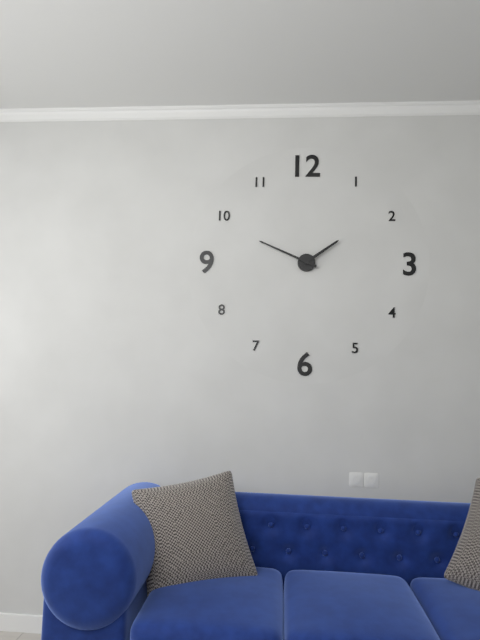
{"hour": 1, "minute": 49}
